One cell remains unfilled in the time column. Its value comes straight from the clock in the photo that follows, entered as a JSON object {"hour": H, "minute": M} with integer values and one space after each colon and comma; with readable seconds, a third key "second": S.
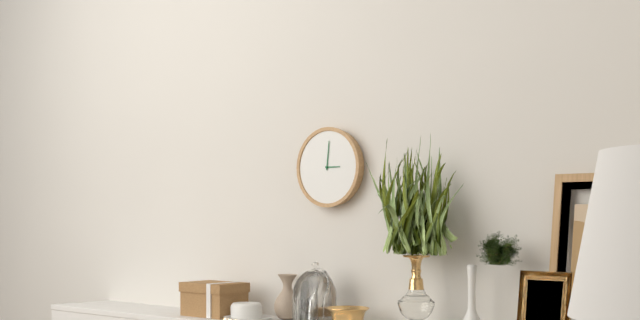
{"hour": 3, "minute": 1}
